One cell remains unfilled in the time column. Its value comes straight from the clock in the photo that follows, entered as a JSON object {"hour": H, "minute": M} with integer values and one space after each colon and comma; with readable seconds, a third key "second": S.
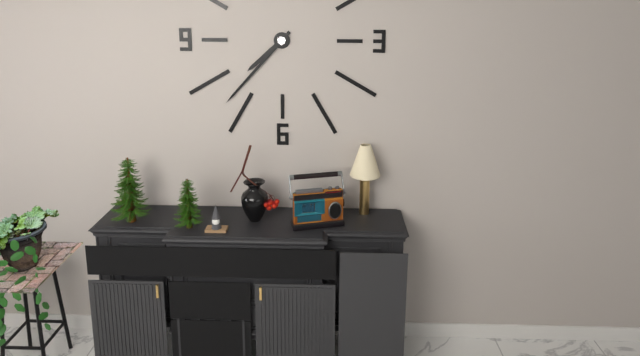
{"hour": 7, "minute": 37}
